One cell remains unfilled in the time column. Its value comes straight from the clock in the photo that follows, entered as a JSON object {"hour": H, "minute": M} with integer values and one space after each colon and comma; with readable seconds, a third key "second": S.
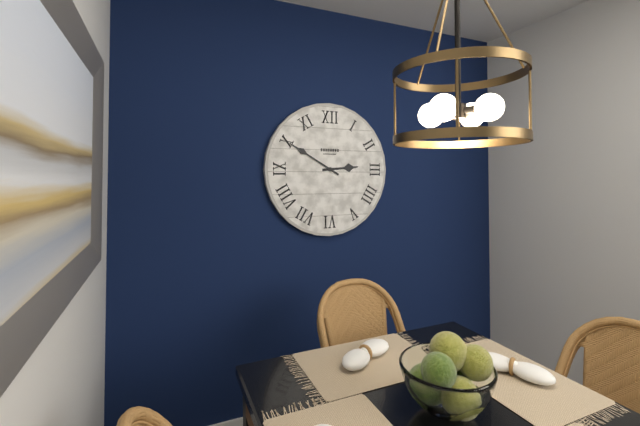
{"hour": 2, "minute": 50}
